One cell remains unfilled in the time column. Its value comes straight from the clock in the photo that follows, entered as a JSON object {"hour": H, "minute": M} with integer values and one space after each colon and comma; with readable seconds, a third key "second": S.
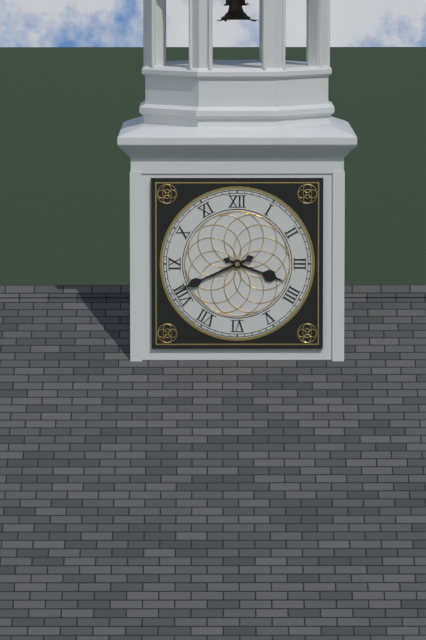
{"hour": 3, "minute": 41}
